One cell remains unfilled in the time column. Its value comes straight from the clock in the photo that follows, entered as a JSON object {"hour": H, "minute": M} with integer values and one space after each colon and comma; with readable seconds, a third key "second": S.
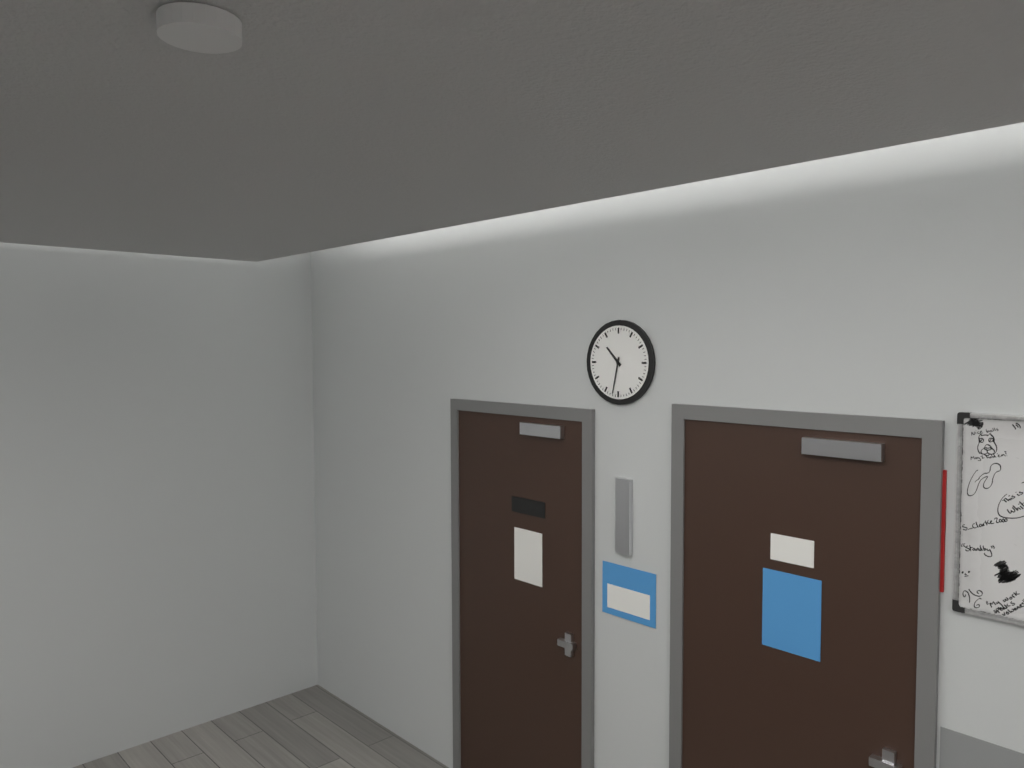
{"hour": 10, "minute": 32}
